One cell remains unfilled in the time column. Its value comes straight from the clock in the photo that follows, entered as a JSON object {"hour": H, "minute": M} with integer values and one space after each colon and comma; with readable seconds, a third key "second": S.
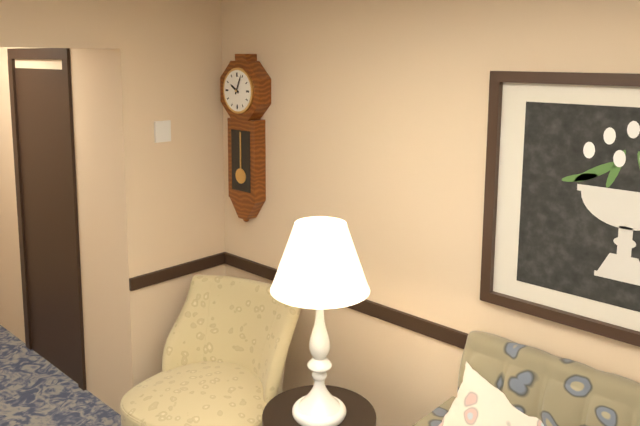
{"hour": 10, "minute": 4}
